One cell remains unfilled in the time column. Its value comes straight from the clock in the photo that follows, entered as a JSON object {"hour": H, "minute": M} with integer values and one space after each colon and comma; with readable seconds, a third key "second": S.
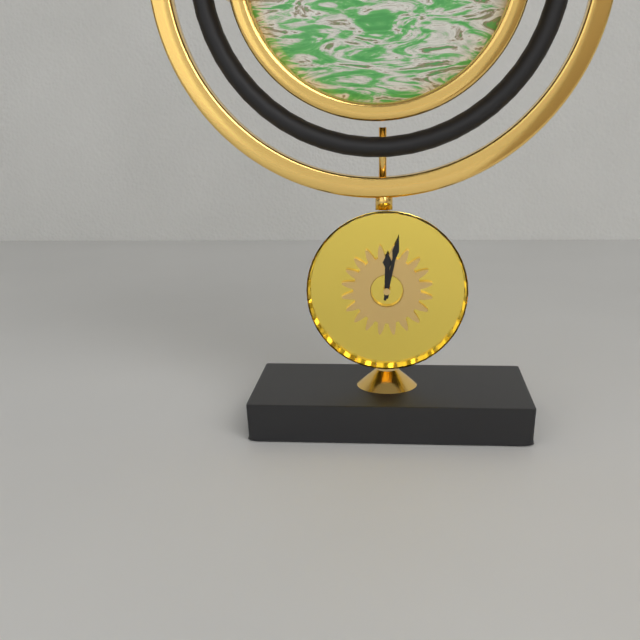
{"hour": 12, "minute": 2}
